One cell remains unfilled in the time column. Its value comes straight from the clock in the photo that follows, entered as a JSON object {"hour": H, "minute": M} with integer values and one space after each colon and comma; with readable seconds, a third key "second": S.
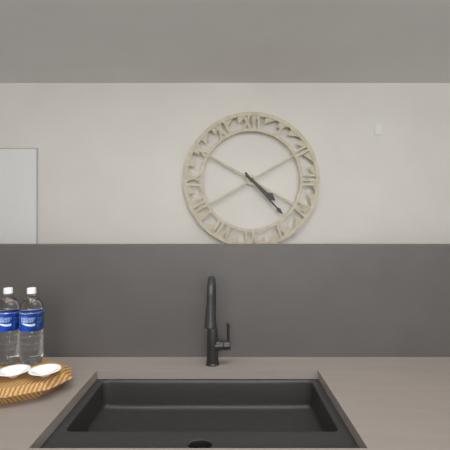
{"hour": 4, "minute": 23}
